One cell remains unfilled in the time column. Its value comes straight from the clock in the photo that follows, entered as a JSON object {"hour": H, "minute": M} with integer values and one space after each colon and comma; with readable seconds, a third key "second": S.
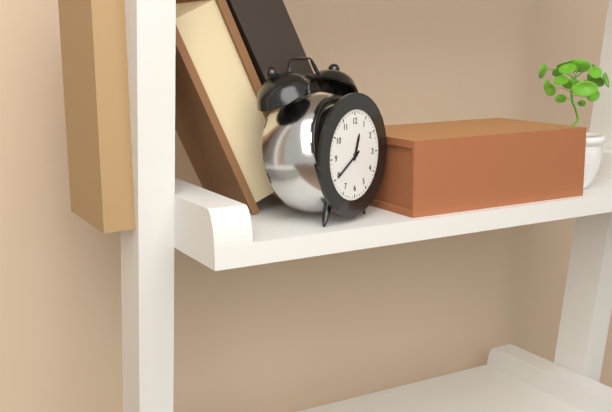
{"hour": 12, "minute": 40}
